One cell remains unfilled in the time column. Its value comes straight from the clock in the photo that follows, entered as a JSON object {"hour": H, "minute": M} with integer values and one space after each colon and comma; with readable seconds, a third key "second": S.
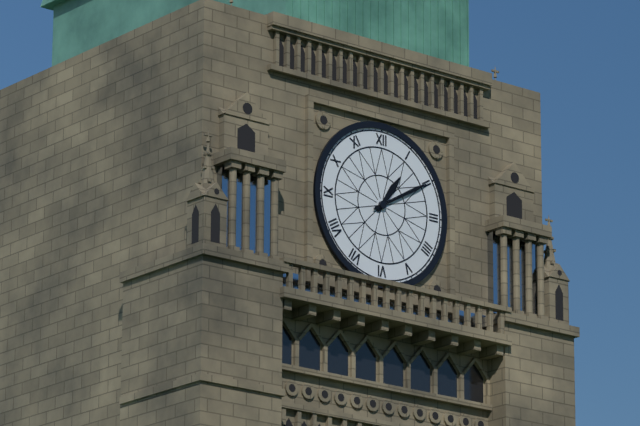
{"hour": 1, "minute": 10}
